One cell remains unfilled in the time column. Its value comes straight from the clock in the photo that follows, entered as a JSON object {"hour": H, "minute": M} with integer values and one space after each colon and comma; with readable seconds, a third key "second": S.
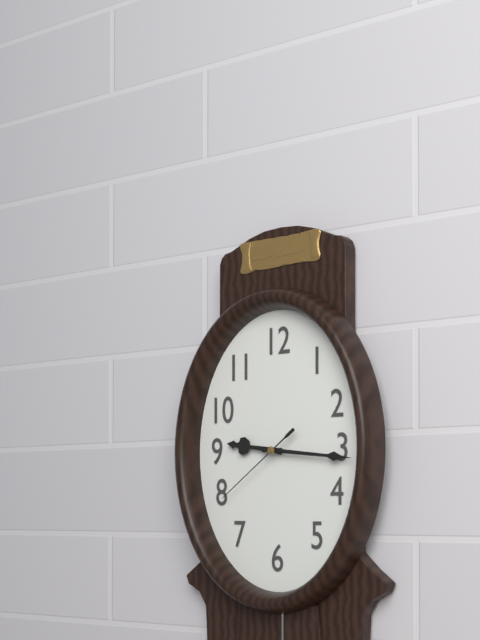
{"hour": 9, "minute": 16, "second": 39}
